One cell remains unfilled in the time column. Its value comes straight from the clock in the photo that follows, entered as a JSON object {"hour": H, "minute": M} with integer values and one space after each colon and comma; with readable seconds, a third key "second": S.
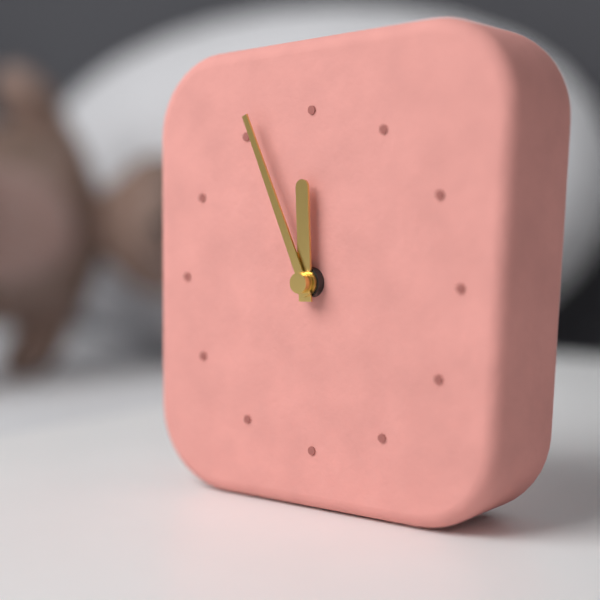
{"hour": 11, "minute": 56}
